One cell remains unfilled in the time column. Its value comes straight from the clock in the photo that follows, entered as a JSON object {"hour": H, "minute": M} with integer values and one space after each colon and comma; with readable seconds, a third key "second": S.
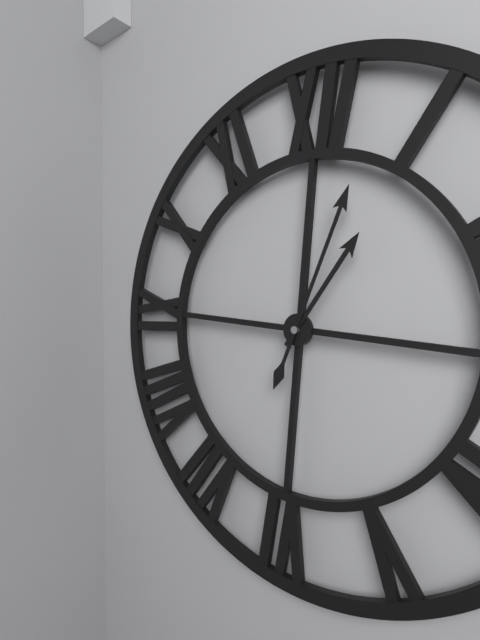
{"hour": 1, "minute": 3}
